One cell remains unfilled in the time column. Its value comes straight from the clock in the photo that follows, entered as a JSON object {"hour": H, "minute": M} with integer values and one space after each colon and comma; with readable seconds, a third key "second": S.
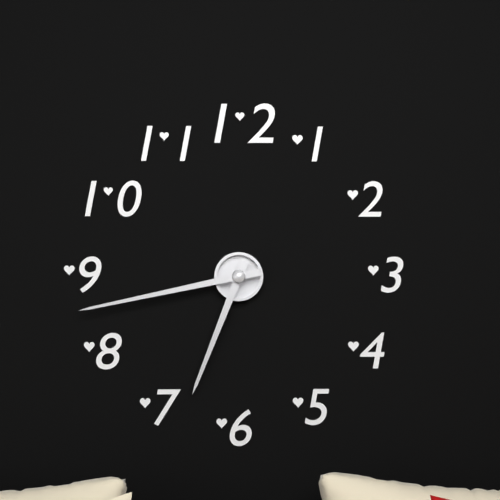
{"hour": 6, "minute": 43}
